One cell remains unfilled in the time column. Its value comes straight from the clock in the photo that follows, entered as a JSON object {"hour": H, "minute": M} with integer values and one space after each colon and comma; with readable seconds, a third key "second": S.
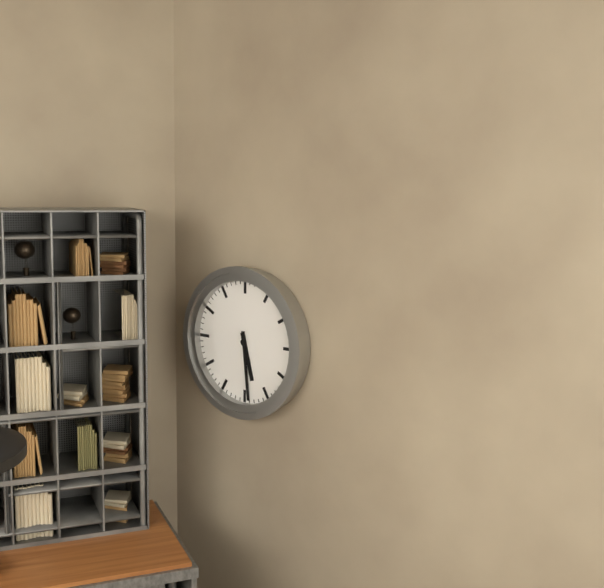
{"hour": 5, "minute": 29}
